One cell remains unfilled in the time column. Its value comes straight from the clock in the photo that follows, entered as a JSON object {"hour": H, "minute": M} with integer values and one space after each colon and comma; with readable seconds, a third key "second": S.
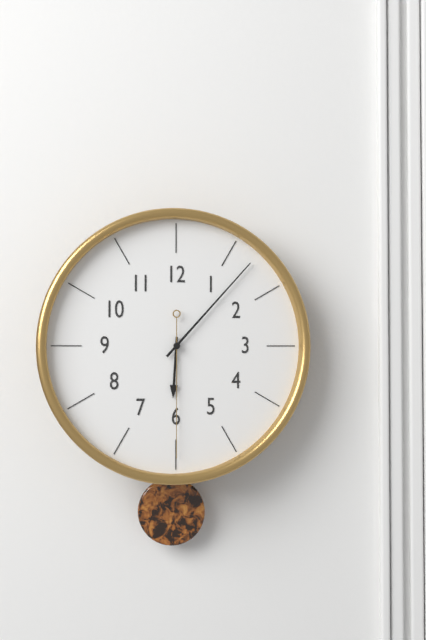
{"hour": 6, "minute": 7, "second": 30}
